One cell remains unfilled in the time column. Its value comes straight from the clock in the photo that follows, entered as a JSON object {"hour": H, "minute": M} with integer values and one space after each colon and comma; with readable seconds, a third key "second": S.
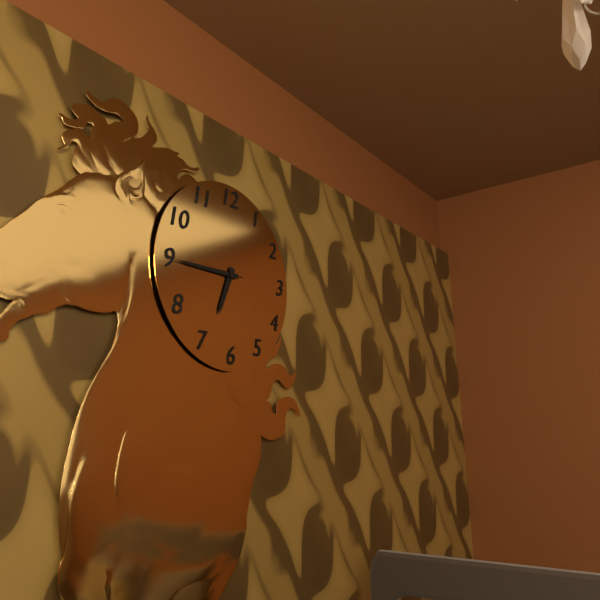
{"hour": 6, "minute": 45, "second": 45}
